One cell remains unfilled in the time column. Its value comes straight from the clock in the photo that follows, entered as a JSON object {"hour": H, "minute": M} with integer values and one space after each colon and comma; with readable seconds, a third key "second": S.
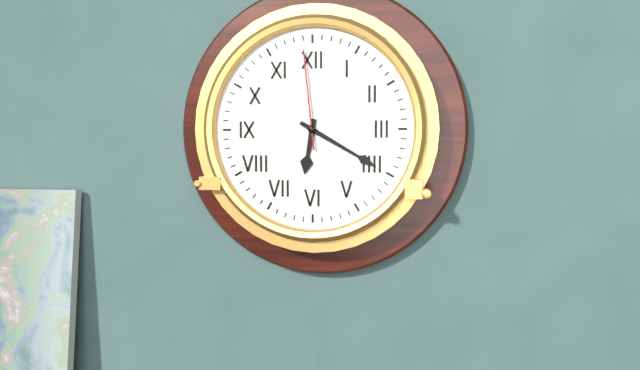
{"hour": 6, "minute": 20, "second": 59}
